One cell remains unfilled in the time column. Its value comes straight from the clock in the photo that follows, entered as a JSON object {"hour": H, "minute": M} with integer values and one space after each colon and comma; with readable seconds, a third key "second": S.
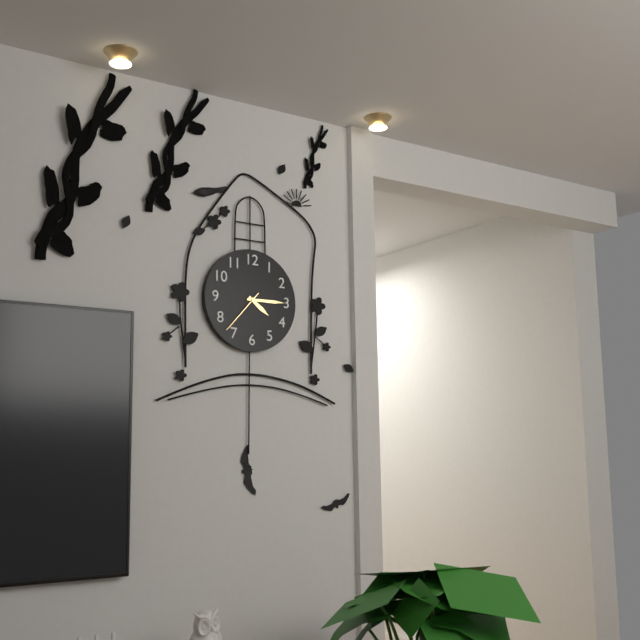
{"hour": 4, "minute": 15}
